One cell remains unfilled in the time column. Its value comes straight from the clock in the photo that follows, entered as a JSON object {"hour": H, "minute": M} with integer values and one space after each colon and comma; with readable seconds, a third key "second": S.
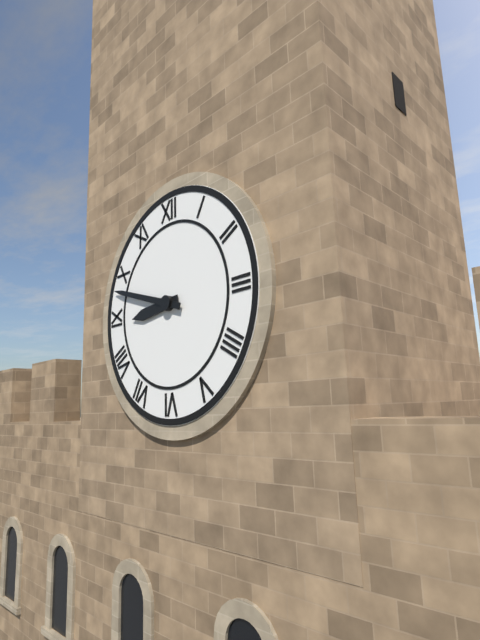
{"hour": 8, "minute": 48}
